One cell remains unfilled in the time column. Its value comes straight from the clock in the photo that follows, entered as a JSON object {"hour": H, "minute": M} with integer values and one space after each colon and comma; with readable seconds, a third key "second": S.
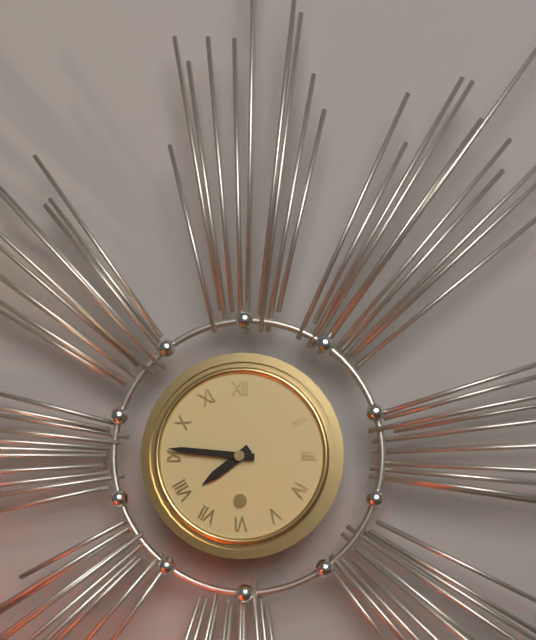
{"hour": 7, "minute": 46}
